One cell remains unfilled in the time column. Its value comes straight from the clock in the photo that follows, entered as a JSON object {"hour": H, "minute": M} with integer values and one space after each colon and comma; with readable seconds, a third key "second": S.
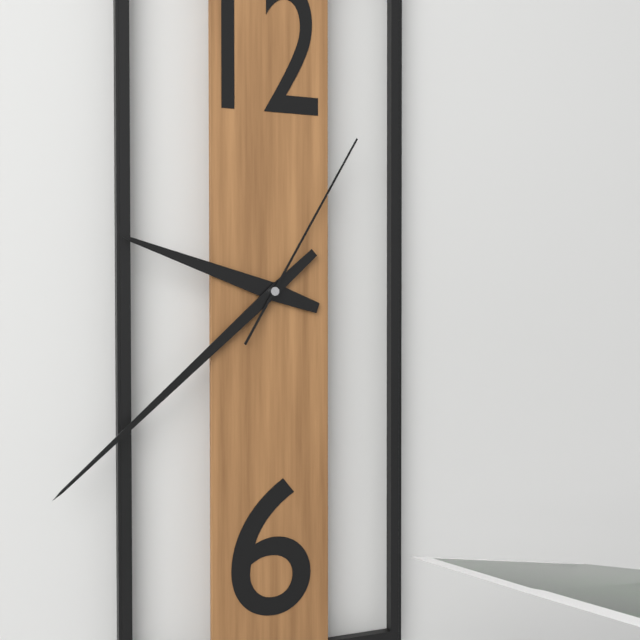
{"hour": 9, "minute": 38, "second": 5}
